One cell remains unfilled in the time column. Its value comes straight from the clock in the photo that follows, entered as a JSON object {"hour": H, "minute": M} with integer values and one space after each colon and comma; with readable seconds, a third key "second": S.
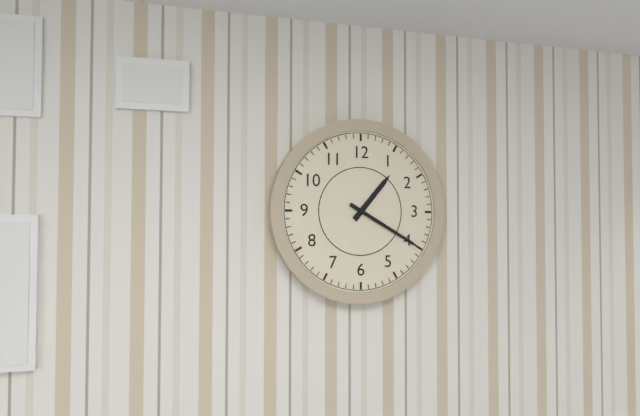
{"hour": 1, "minute": 20}
